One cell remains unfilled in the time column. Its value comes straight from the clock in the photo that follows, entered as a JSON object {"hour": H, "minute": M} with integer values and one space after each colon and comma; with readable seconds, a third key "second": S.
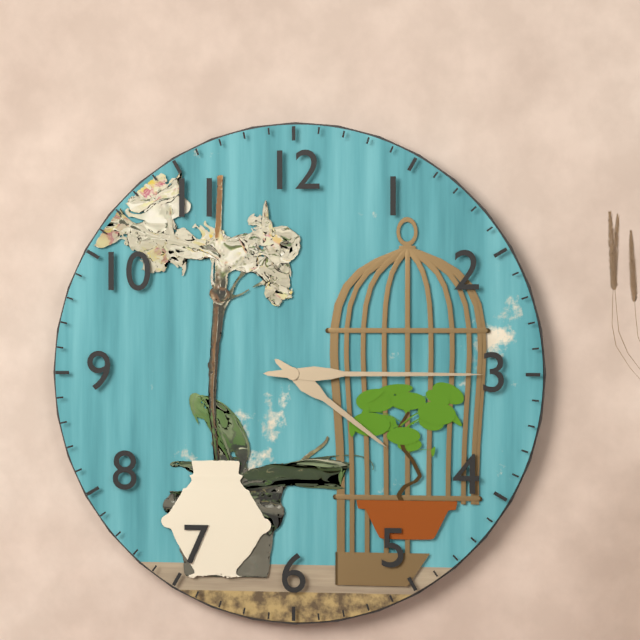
{"hour": 4, "minute": 15}
